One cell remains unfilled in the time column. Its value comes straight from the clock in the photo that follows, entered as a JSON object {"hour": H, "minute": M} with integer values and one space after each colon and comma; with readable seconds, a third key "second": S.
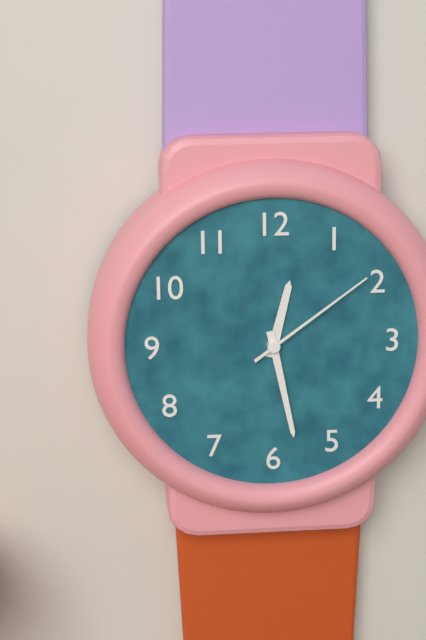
{"hour": 12, "minute": 28, "second": 9}
